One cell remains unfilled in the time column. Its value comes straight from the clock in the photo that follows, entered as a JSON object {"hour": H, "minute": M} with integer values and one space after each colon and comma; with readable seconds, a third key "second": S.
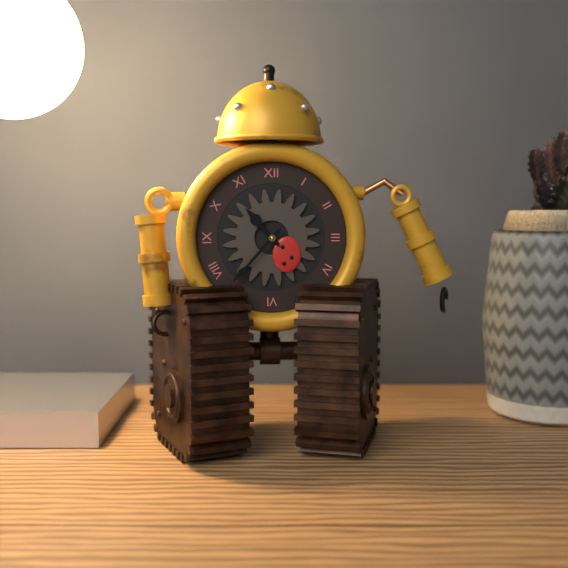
{"hour": 10, "minute": 37}
